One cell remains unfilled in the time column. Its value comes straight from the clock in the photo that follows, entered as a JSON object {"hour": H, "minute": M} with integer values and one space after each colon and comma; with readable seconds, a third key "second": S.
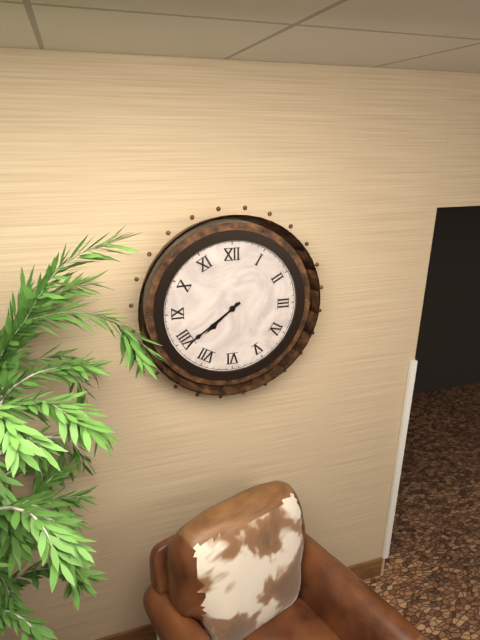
{"hour": 7, "minute": 39}
